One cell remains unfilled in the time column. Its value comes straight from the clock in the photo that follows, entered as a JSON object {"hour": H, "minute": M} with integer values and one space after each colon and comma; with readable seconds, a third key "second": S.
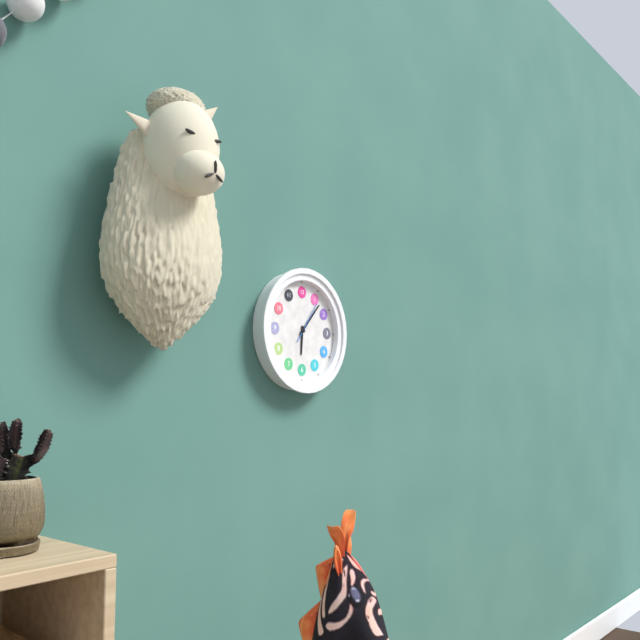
{"hour": 6, "minute": 7}
